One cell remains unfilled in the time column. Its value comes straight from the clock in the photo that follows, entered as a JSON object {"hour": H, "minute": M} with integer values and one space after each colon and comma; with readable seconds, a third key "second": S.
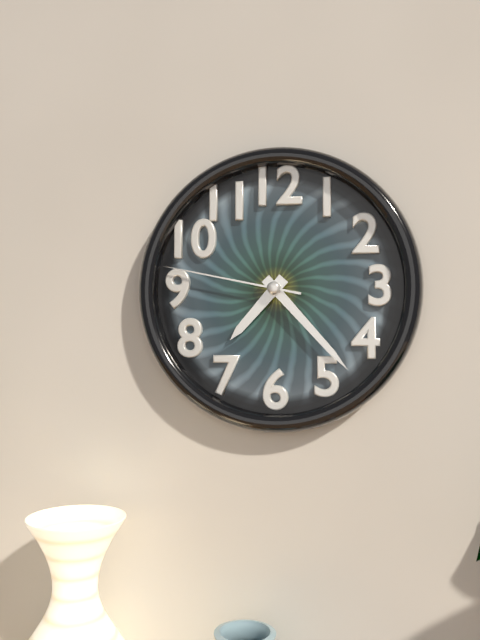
{"hour": 7, "minute": 23, "second": 47}
